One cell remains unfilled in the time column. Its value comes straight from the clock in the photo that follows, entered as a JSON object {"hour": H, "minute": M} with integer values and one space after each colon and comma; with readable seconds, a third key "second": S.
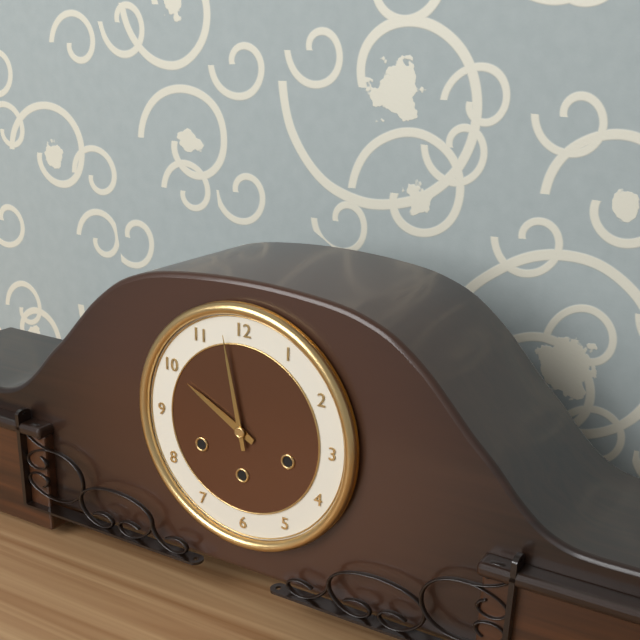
{"hour": 9, "minute": 58}
